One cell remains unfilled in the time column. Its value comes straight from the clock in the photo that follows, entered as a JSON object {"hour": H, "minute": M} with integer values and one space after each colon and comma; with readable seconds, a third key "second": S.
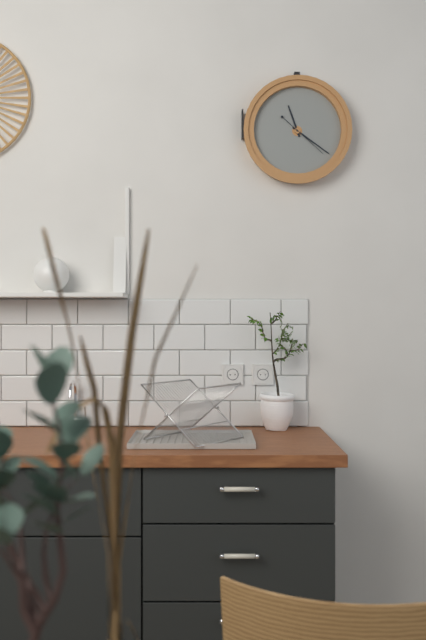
{"hour": 11, "minute": 21}
